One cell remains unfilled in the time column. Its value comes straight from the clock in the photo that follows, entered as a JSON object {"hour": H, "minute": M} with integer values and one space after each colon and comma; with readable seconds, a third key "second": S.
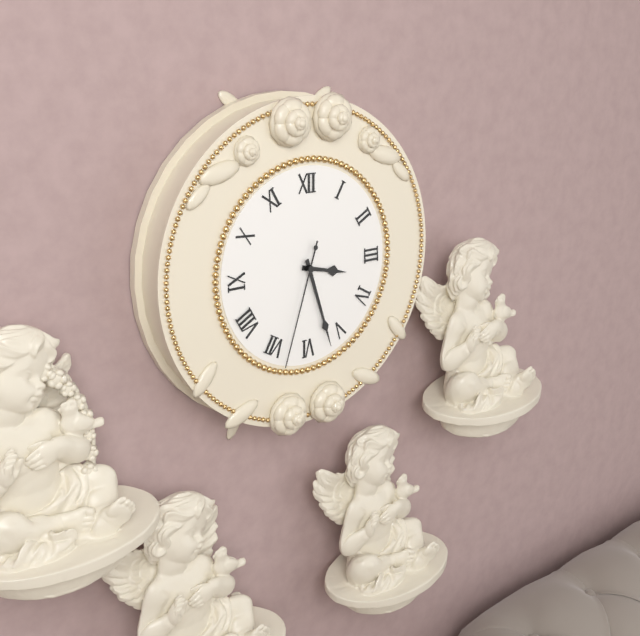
{"hour": 3, "minute": 27, "second": 33}
